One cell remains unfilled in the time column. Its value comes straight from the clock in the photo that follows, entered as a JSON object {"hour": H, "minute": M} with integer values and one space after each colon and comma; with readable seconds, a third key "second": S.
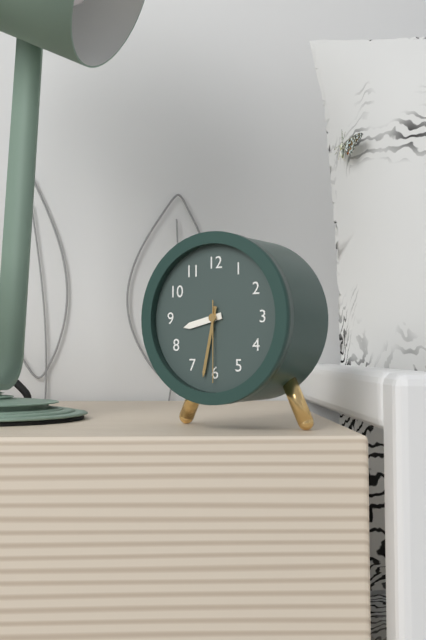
{"hour": 8, "minute": 32, "second": 30}
